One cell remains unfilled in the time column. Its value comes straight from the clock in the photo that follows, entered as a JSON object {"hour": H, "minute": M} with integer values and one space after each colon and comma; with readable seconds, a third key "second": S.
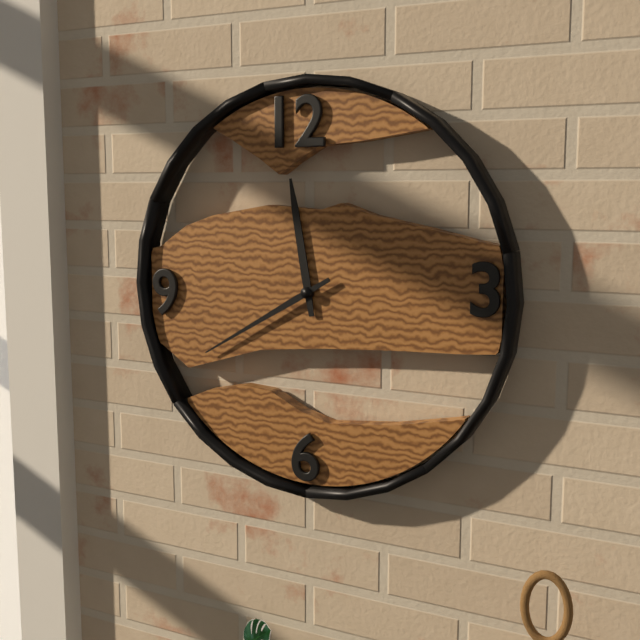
{"hour": 11, "minute": 40}
